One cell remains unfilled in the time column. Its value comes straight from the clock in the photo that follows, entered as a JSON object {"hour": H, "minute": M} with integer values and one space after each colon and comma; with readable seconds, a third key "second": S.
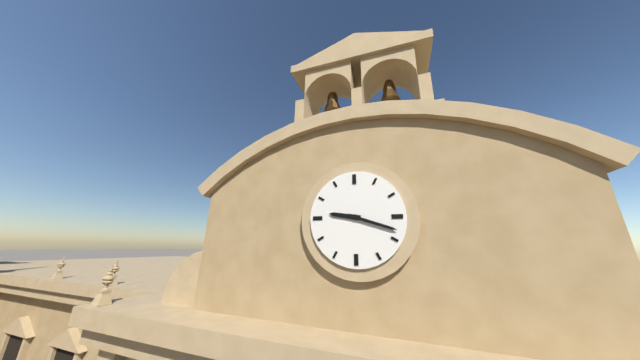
{"hour": 9, "minute": 18}
